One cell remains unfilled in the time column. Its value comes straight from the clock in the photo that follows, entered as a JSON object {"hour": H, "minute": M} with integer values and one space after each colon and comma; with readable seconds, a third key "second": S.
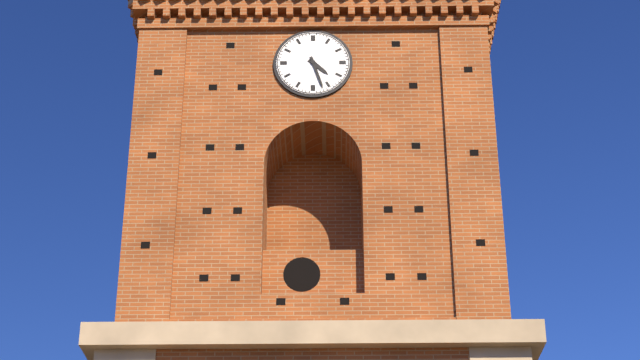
{"hour": 4, "minute": 27}
